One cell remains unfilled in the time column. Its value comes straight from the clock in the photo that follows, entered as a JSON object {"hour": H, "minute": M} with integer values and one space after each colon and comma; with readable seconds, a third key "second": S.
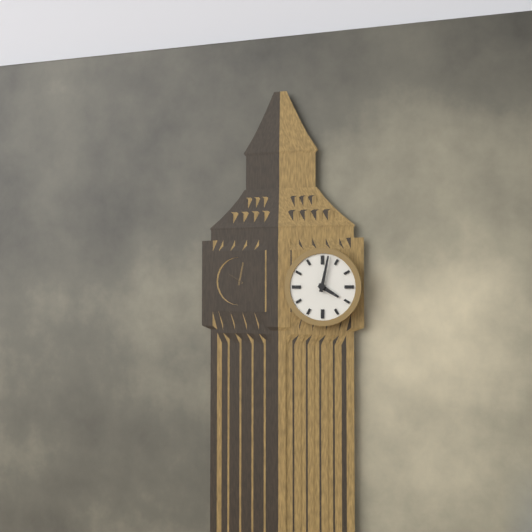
{"hour": 4, "minute": 2}
